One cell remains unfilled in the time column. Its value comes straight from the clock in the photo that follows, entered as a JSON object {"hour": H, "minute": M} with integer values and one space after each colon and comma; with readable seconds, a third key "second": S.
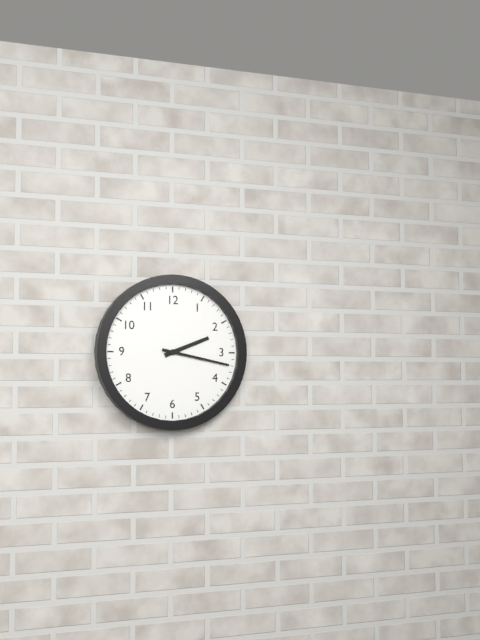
{"hour": 2, "minute": 17}
